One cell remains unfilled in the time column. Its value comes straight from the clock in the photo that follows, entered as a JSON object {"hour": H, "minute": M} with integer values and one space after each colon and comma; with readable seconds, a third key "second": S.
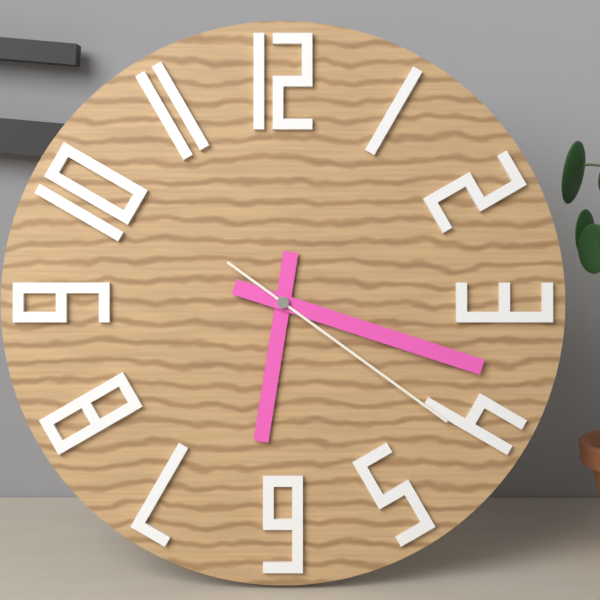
{"hour": 6, "minute": 18, "second": 21}
